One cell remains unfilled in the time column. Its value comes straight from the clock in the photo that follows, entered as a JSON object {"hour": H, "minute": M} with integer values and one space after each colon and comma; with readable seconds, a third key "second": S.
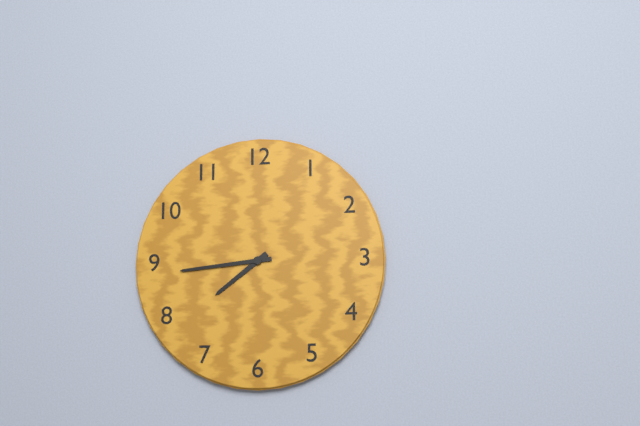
{"hour": 7, "minute": 44}
